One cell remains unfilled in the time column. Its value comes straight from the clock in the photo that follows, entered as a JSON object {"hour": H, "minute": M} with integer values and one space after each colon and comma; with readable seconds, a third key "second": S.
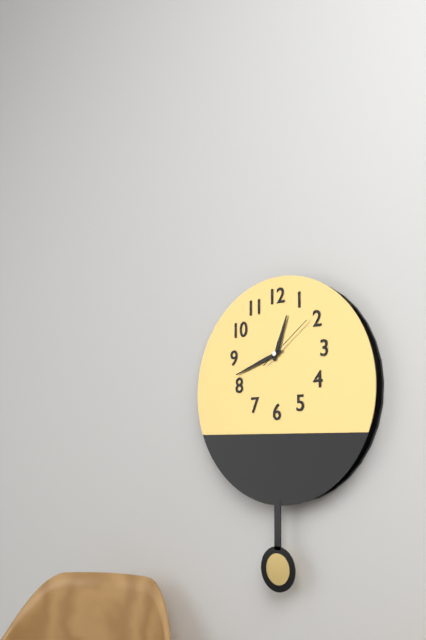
{"hour": 12, "minute": 42, "second": 9}
